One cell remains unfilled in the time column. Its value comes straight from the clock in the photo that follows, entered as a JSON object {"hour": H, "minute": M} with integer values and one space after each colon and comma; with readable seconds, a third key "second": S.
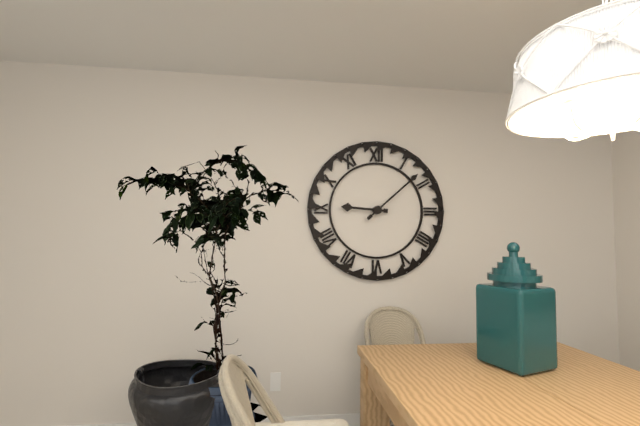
{"hour": 9, "minute": 8}
